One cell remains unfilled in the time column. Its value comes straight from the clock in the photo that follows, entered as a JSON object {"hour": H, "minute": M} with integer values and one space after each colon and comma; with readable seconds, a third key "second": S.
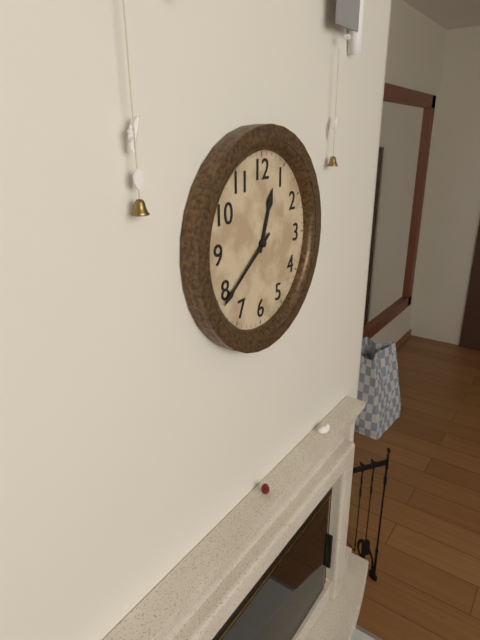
{"hour": 12, "minute": 39}
